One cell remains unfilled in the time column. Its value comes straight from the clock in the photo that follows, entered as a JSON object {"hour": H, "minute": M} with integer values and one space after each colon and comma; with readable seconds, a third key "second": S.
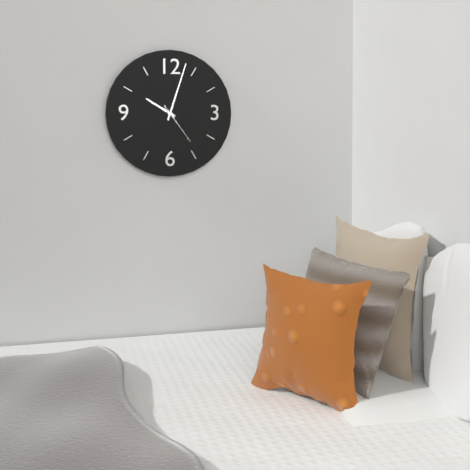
{"hour": 10, "minute": 3}
